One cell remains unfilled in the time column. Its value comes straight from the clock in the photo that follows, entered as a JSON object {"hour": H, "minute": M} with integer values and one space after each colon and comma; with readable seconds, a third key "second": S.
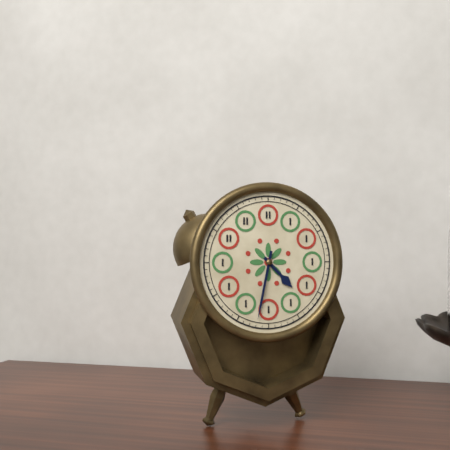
{"hour": 4, "minute": 32}
